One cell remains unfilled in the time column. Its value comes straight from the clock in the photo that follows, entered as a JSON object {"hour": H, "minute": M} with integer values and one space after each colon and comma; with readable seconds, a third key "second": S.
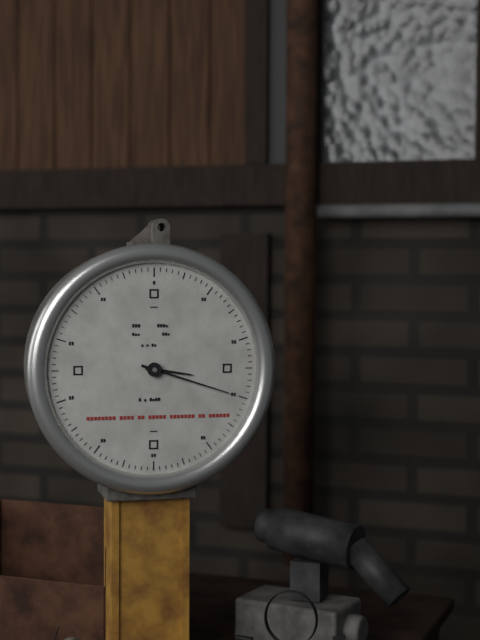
{"hour": 3, "minute": 18}
